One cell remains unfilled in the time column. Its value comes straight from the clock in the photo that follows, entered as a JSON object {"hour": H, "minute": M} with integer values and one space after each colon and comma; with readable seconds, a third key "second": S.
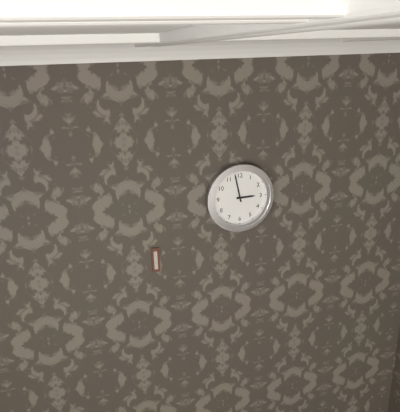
{"hour": 2, "minute": 58}
